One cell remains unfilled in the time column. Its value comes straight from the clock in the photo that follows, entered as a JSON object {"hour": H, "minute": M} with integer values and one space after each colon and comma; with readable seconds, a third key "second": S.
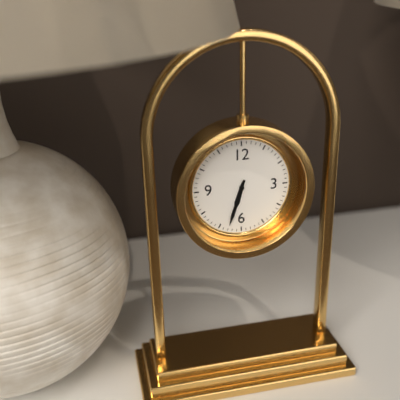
{"hour": 6, "minute": 33}
